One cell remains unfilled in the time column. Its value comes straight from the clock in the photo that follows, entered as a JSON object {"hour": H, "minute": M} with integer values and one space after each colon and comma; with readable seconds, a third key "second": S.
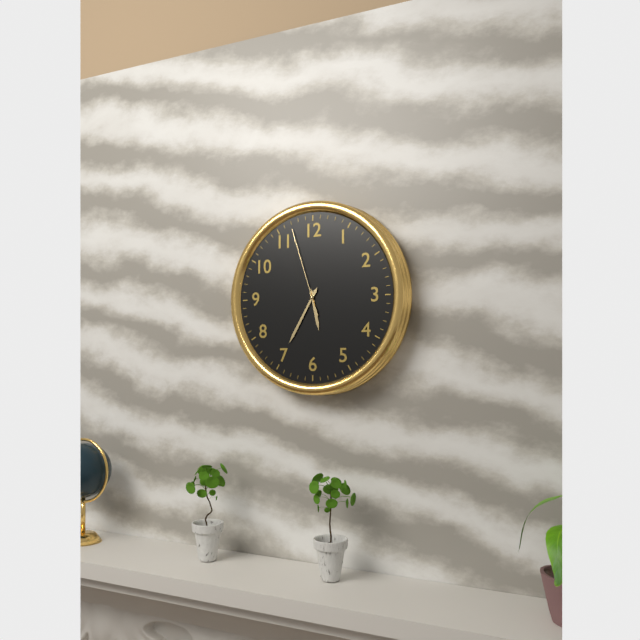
{"hour": 5, "minute": 35, "second": 57}
